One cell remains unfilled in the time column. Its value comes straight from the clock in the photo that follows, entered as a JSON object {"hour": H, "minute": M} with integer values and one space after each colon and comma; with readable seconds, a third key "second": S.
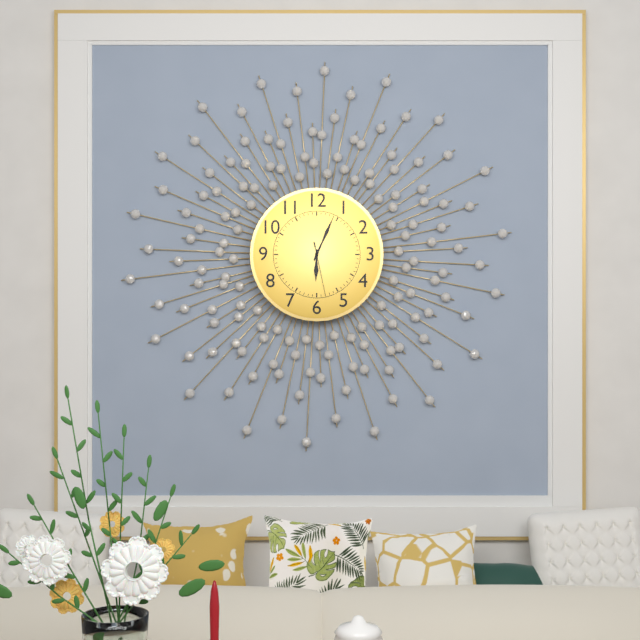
{"hour": 6, "minute": 4, "second": 28}
